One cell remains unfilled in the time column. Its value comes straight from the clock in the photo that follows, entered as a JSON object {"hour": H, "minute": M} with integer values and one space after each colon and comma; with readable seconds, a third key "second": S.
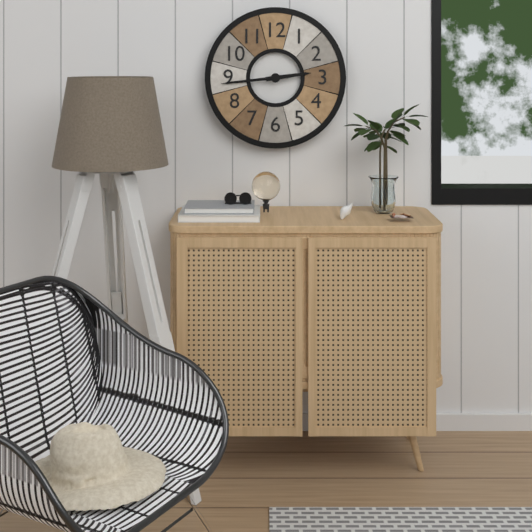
{"hour": 2, "minute": 44}
